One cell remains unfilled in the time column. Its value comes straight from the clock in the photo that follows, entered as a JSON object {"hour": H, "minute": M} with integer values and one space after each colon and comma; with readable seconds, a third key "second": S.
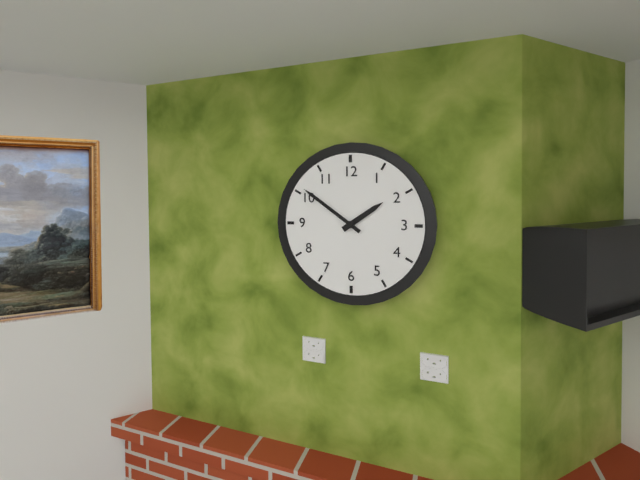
{"hour": 1, "minute": 51}
